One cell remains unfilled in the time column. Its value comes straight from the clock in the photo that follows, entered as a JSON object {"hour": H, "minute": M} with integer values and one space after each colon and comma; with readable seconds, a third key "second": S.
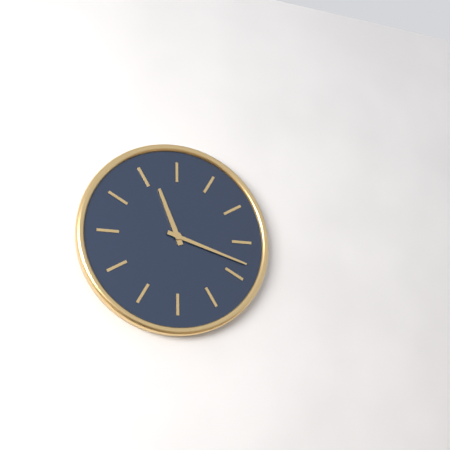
{"hour": 11, "minute": 18}
